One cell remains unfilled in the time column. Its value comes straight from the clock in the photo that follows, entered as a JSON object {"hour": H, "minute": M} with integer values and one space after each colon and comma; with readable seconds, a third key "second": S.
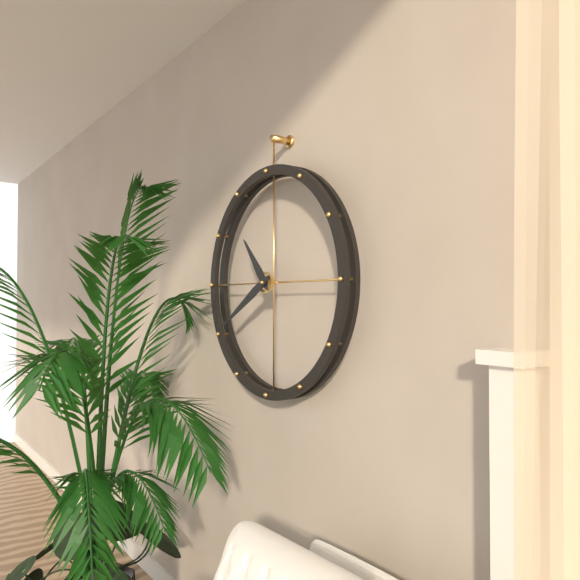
{"hour": 10, "minute": 40}
